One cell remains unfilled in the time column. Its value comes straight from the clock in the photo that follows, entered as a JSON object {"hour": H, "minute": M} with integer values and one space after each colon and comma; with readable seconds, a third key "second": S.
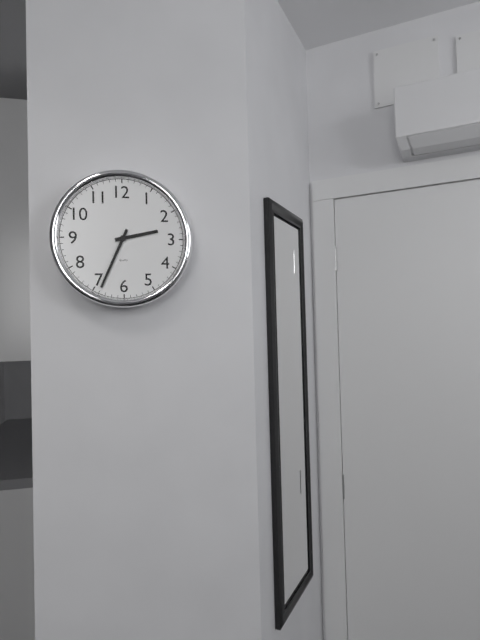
{"hour": 2, "minute": 34}
